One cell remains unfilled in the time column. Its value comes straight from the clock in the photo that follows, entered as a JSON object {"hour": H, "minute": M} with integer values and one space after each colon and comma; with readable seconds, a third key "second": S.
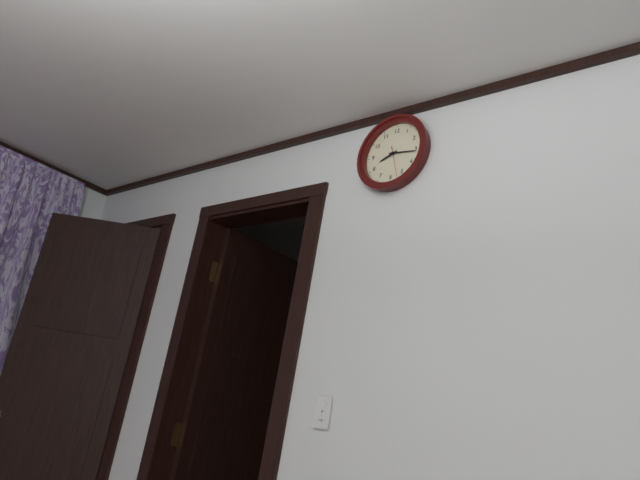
{"hour": 8, "minute": 16}
